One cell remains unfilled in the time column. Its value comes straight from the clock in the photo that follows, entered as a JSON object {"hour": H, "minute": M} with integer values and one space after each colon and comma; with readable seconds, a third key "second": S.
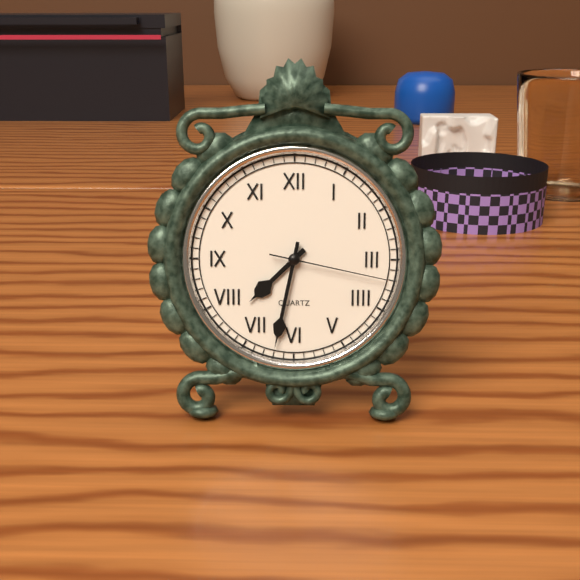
{"hour": 7, "minute": 32, "second": 17}
